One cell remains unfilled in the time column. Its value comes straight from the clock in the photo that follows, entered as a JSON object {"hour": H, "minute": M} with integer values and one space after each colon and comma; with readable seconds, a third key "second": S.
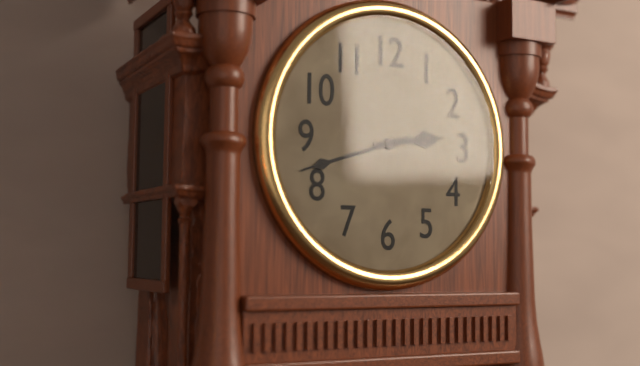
{"hour": 2, "minute": 42}
